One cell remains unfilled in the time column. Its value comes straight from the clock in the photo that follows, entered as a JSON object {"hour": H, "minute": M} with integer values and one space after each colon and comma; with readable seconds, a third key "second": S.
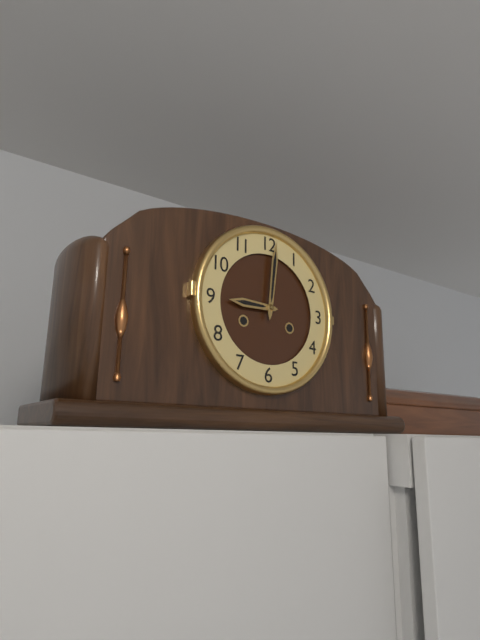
{"hour": 9, "minute": 1}
